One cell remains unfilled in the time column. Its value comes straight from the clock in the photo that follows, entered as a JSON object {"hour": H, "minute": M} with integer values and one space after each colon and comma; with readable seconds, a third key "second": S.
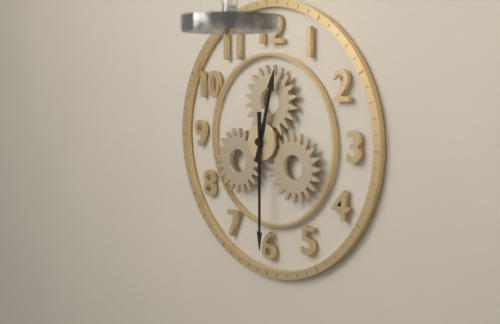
{"hour": 12, "minute": 30}
